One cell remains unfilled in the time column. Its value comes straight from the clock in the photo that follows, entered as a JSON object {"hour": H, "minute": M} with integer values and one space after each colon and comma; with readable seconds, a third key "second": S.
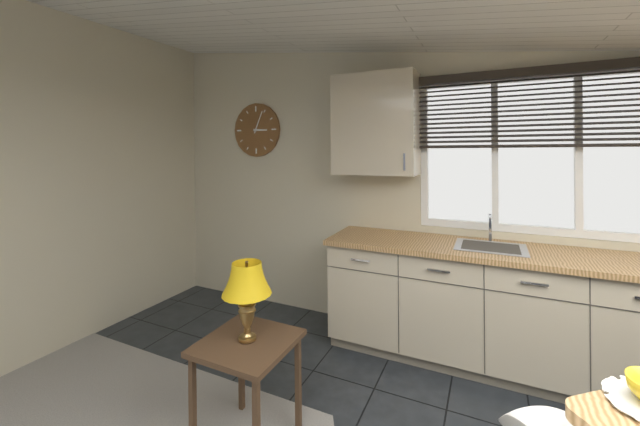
{"hour": 3, "minute": 4}
